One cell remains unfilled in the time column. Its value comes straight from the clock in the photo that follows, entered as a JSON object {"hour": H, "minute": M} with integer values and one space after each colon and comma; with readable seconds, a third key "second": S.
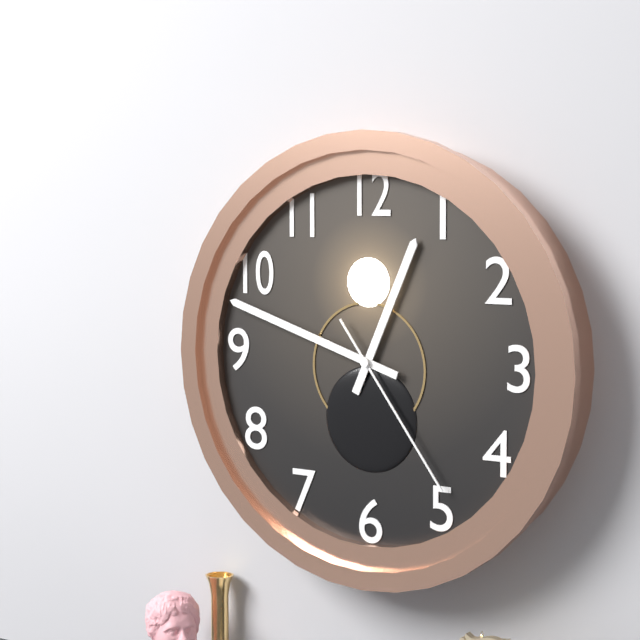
{"hour": 12, "minute": 48, "second": 24}
